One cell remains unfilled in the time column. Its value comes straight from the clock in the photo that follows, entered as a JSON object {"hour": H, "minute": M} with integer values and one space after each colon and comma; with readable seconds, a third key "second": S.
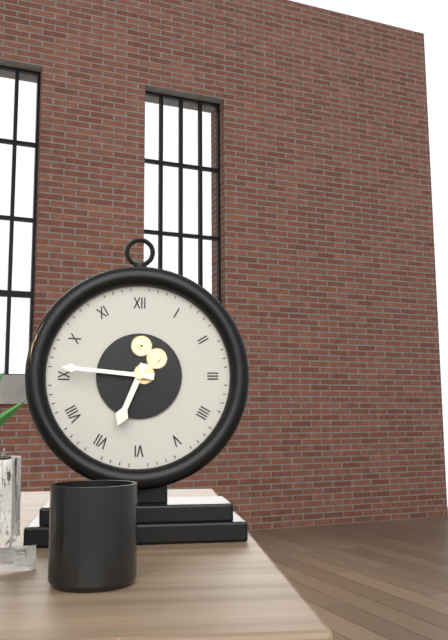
{"hour": 6, "minute": 46}
